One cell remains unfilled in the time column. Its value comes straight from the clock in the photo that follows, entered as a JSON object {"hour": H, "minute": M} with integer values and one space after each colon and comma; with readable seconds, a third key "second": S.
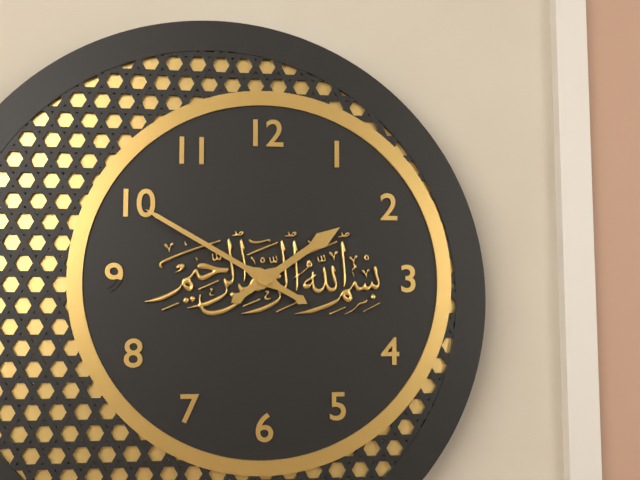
{"hour": 1, "minute": 50}
